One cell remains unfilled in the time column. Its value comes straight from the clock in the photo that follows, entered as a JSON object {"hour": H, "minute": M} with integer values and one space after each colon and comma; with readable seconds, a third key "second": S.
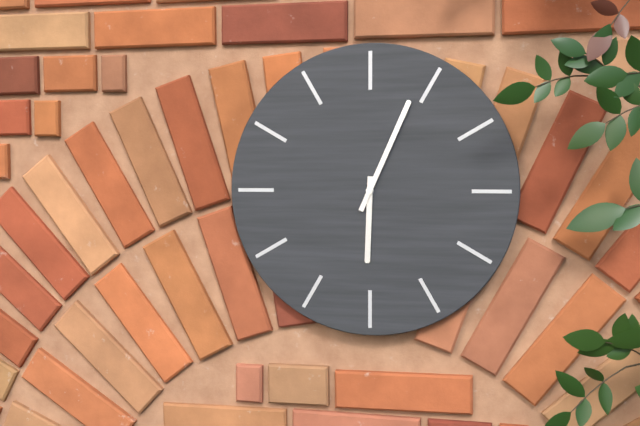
{"hour": 6, "minute": 4}
